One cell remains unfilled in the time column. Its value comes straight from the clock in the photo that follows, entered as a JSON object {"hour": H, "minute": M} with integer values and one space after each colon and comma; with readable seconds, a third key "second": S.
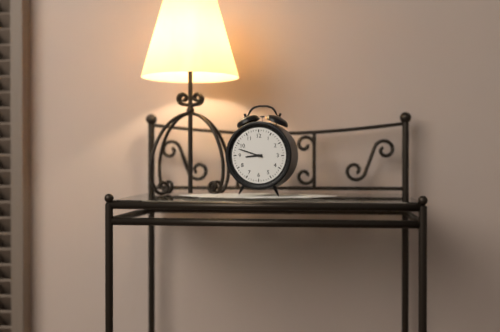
{"hour": 8, "minute": 48}
